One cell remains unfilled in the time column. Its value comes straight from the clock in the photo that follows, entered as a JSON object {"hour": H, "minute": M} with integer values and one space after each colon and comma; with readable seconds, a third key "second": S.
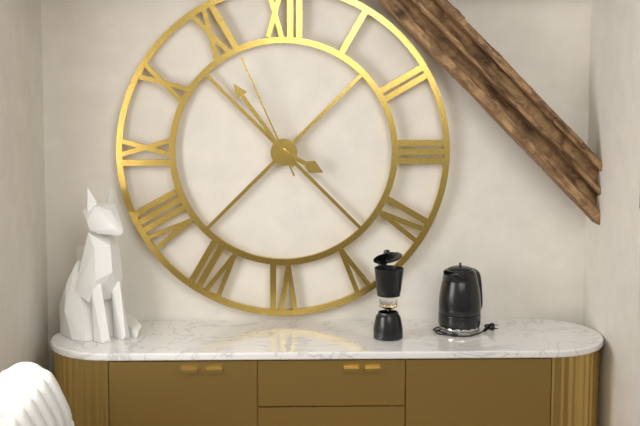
{"hour": 3, "minute": 54, "second": 56}
